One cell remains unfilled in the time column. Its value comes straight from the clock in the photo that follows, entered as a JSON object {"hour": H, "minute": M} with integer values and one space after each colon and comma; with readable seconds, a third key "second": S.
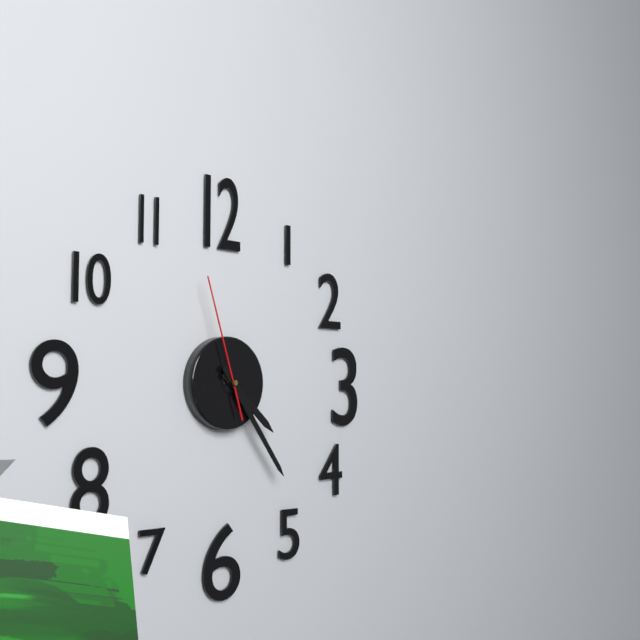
{"hour": 4, "minute": 24, "second": 57}
